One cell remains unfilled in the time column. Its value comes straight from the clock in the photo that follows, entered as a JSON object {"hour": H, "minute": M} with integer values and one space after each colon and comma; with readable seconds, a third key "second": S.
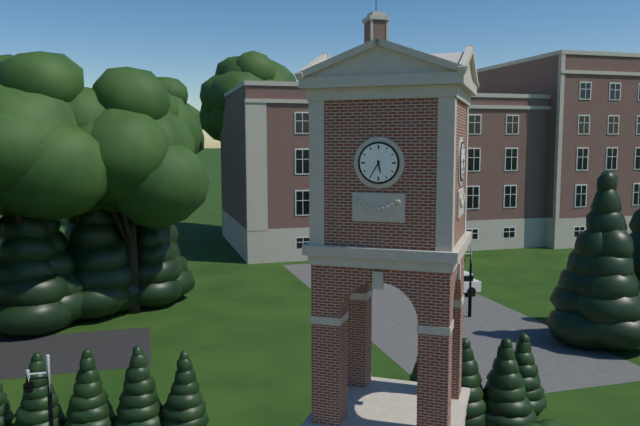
{"hour": 5, "minute": 35}
